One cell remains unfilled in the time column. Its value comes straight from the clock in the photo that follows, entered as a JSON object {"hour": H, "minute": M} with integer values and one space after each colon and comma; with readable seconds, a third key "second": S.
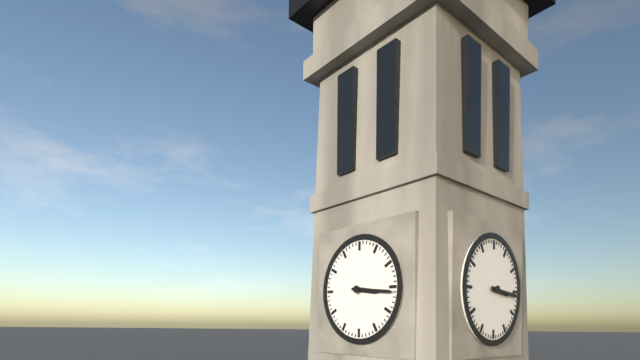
{"hour": 3, "minute": 16}
